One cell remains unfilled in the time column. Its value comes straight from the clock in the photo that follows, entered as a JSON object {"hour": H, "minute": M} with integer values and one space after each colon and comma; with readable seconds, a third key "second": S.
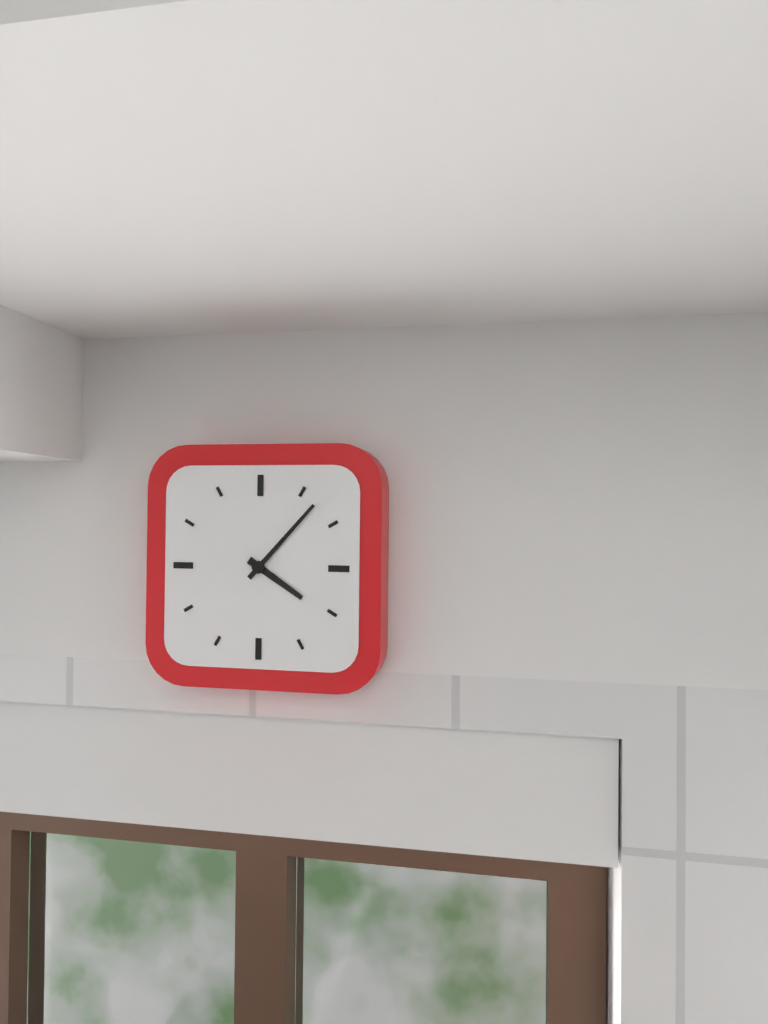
{"hour": 4, "minute": 7}
